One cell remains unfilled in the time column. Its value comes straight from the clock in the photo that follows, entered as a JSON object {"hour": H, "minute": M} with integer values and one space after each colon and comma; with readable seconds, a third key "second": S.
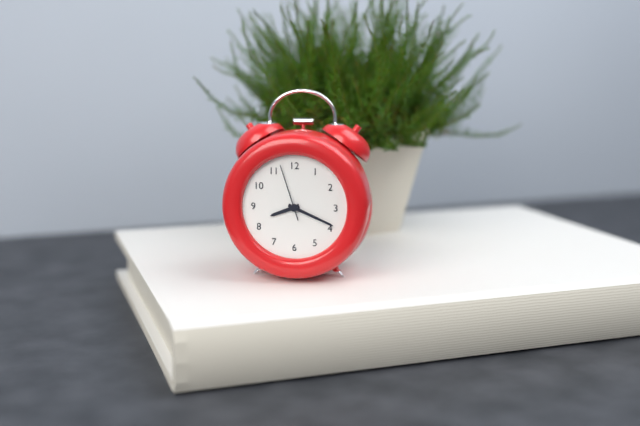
{"hour": 8, "minute": 19, "second": 57}
